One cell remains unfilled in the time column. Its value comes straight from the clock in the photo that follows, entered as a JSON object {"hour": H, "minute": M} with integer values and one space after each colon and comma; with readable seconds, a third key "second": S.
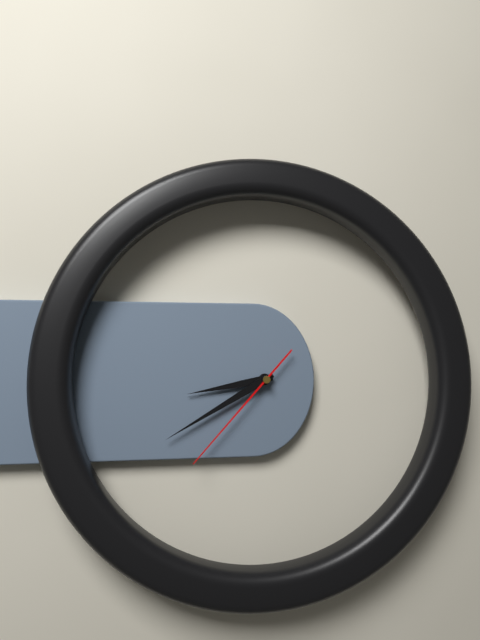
{"hour": 8, "minute": 40, "second": 37}
